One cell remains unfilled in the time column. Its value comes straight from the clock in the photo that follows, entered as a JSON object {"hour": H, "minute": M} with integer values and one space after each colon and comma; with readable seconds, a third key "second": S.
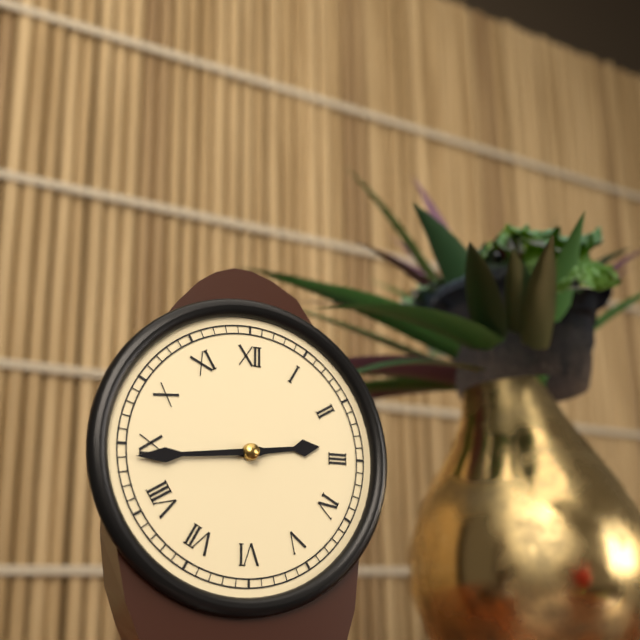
{"hour": 2, "minute": 44}
